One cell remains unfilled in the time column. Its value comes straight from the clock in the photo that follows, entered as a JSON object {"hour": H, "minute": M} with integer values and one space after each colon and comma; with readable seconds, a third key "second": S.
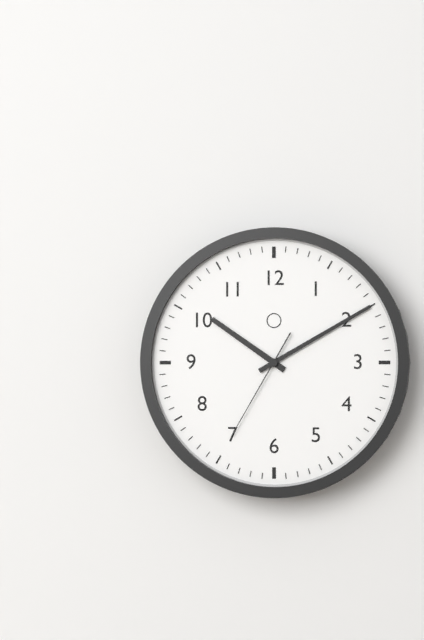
{"hour": 10, "minute": 10, "second": 35}
